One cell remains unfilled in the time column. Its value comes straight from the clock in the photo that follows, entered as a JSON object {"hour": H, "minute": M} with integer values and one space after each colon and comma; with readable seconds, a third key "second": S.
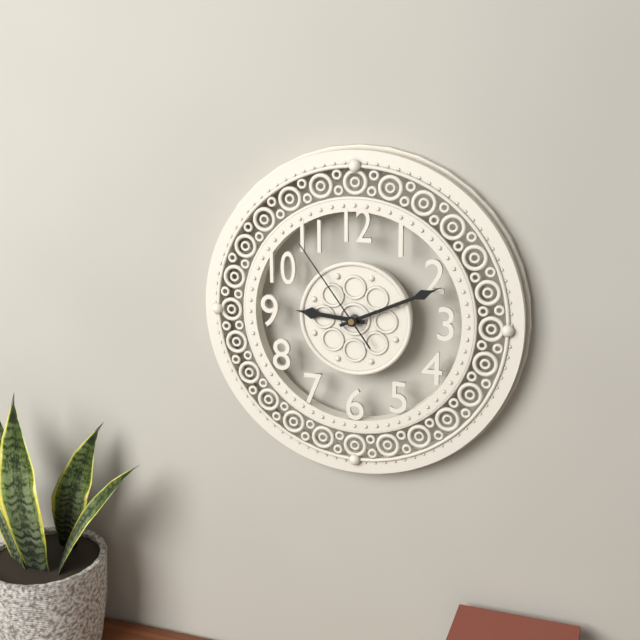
{"hour": 9, "minute": 11, "second": 54}
